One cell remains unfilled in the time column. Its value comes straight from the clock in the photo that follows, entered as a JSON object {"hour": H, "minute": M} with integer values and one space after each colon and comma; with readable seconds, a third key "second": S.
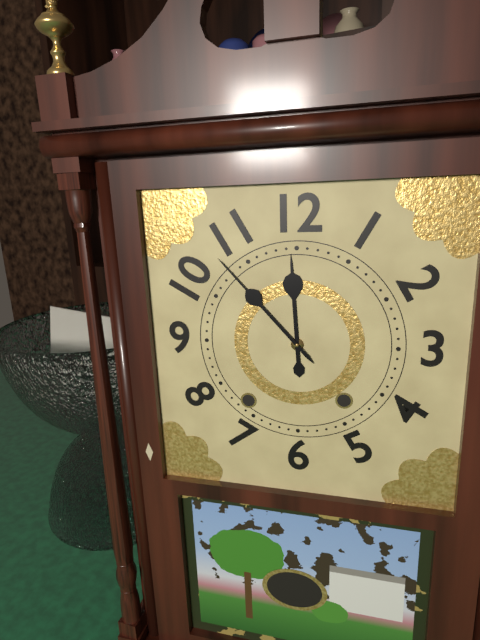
{"hour": 11, "minute": 53}
